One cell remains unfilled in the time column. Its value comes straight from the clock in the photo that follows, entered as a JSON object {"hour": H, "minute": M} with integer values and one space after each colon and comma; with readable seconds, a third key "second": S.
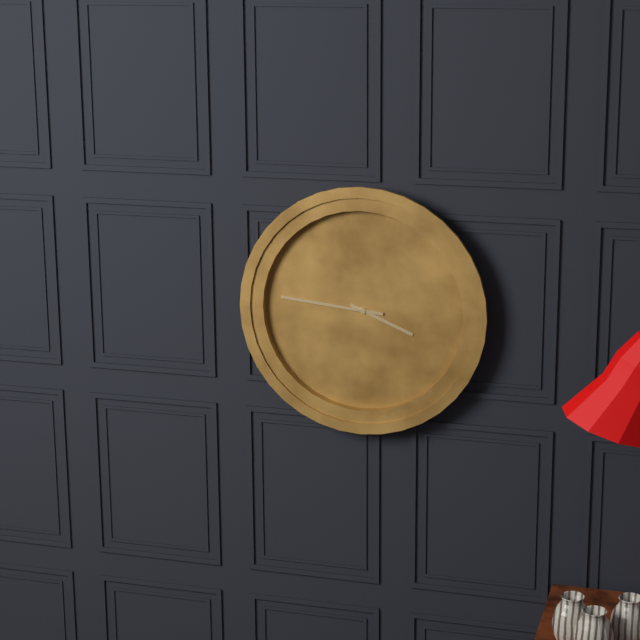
{"hour": 3, "minute": 46}
